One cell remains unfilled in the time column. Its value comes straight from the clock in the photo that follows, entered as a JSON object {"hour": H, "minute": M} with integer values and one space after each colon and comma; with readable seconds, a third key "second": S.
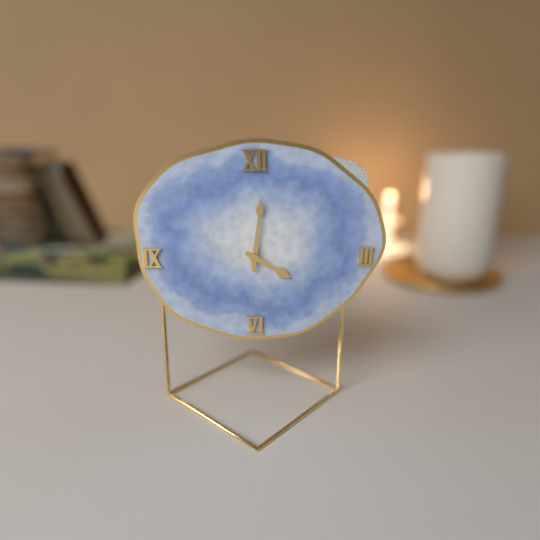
{"hour": 4, "minute": 1}
